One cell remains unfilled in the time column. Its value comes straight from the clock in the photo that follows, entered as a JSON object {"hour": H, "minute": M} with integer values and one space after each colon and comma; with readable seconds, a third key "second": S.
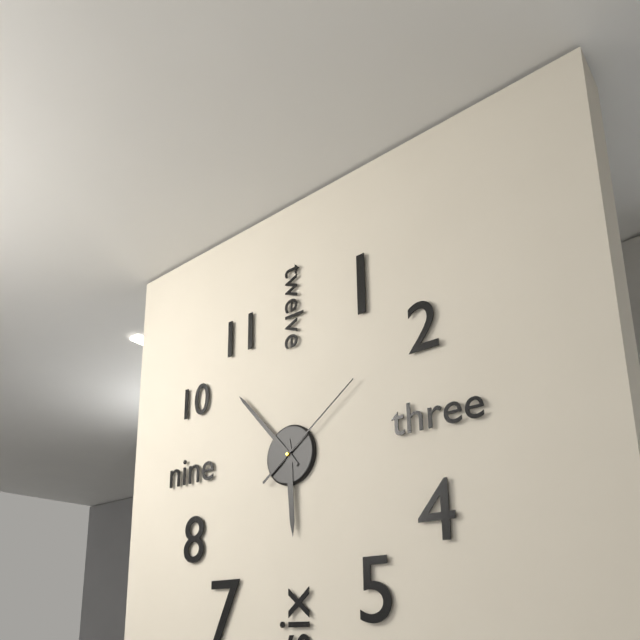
{"hour": 5, "minute": 53, "second": 9}
